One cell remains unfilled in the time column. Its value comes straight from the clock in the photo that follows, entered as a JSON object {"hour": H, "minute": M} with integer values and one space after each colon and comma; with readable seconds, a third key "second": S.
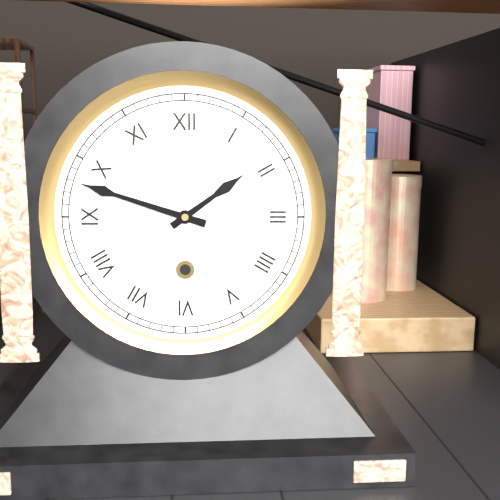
{"hour": 1, "minute": 48}
